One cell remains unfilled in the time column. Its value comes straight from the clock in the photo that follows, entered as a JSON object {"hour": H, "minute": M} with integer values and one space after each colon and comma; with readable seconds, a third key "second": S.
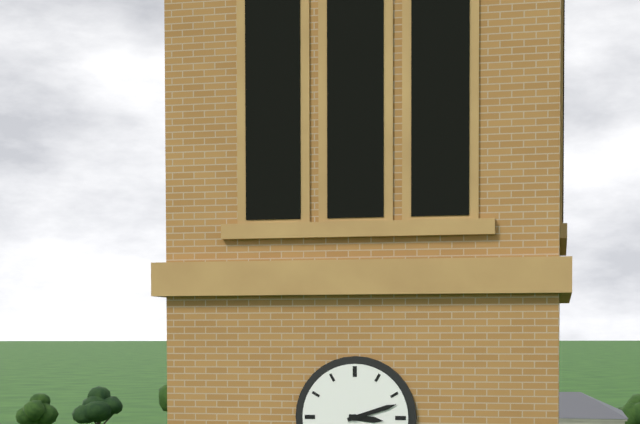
{"hour": 3, "minute": 12}
